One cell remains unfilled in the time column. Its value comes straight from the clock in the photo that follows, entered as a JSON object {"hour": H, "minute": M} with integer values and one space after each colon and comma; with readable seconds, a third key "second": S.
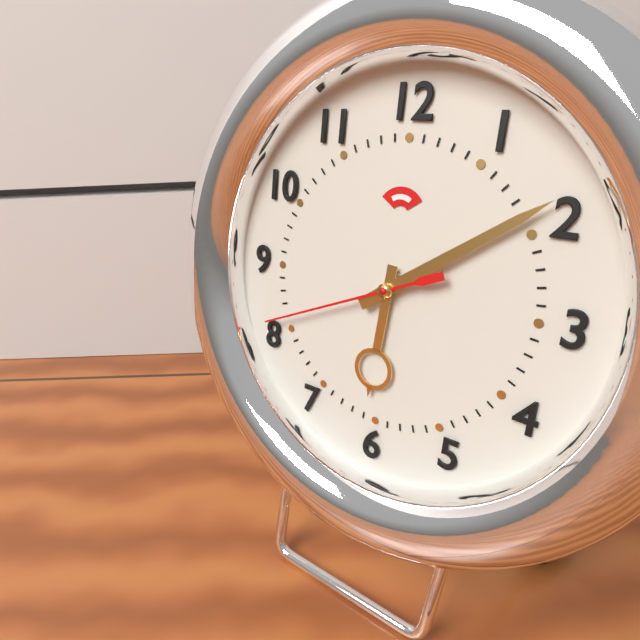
{"hour": 6, "minute": 9, "second": 41}
